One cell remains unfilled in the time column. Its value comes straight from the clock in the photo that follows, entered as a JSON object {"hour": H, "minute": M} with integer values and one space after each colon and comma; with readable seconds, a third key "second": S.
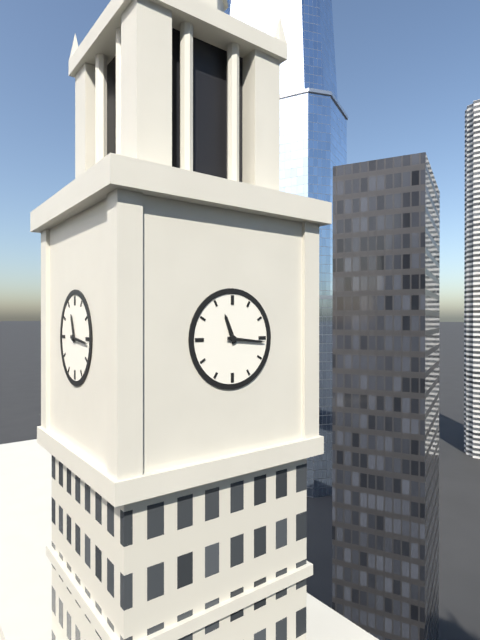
{"hour": 11, "minute": 16}
